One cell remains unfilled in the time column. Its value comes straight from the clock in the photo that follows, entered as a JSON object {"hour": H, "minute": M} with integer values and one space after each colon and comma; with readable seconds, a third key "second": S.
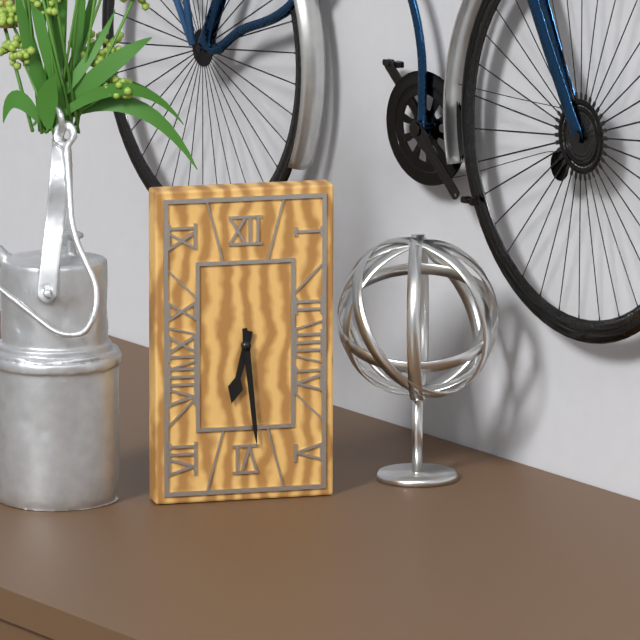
{"hour": 6, "minute": 29}
